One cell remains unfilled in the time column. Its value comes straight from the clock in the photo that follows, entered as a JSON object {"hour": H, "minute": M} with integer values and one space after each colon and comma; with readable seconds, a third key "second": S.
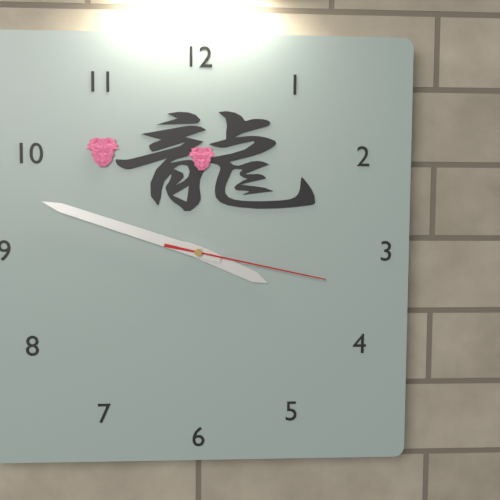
{"hour": 3, "minute": 48, "second": 17}
